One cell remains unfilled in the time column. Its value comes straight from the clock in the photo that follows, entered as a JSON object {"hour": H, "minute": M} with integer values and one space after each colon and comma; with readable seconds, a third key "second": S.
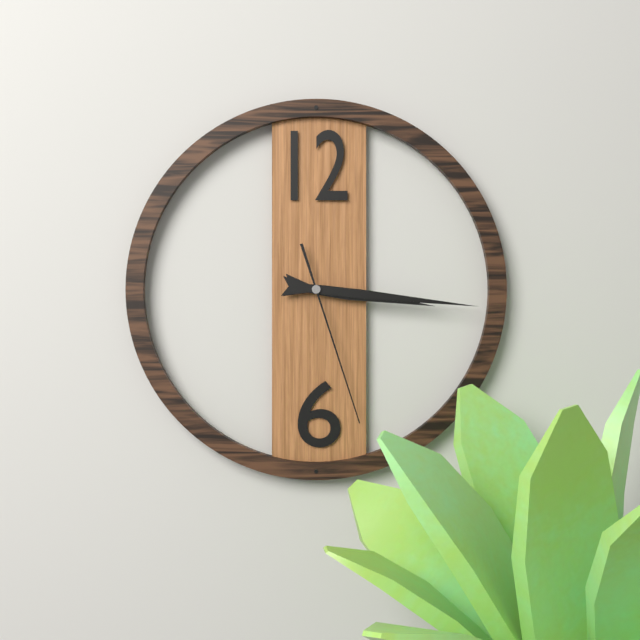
{"hour": 3, "minute": 16, "second": 27}
